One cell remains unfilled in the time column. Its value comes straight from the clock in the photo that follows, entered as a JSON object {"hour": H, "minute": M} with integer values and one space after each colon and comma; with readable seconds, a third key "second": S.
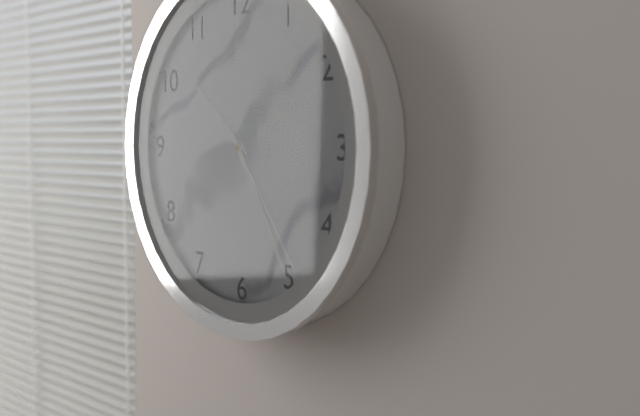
{"hour": 10, "minute": 25, "second": 24}
